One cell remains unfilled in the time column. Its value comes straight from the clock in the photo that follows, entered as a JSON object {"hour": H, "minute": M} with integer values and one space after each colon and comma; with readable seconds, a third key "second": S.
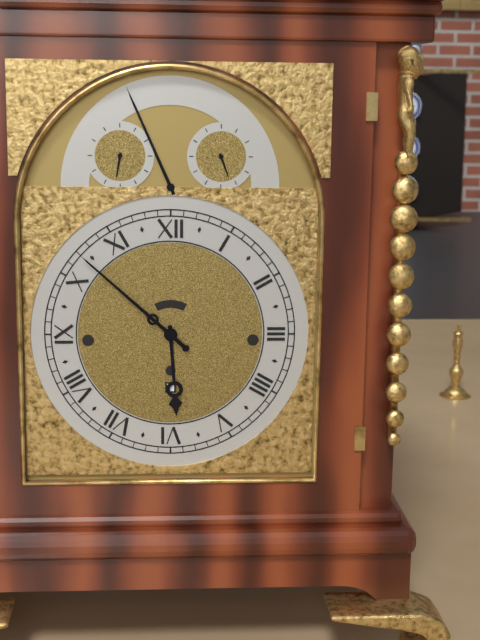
{"hour": 5, "minute": 52}
